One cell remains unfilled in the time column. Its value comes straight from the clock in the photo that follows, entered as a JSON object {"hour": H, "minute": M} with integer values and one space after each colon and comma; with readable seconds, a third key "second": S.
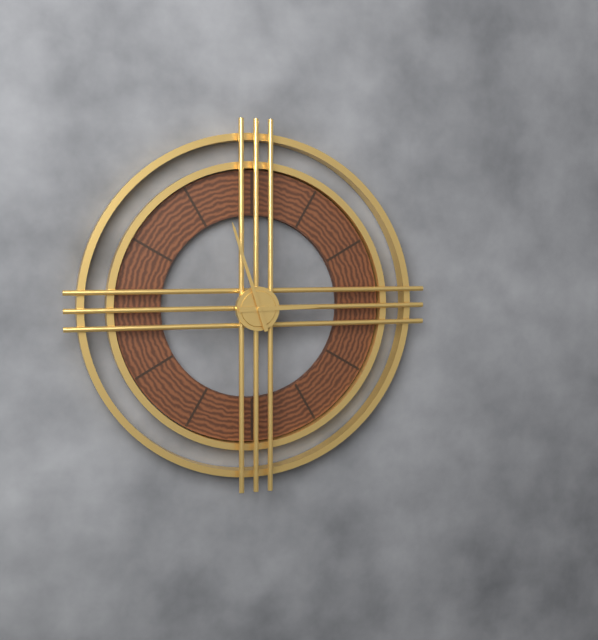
{"hour": 2, "minute": 57}
